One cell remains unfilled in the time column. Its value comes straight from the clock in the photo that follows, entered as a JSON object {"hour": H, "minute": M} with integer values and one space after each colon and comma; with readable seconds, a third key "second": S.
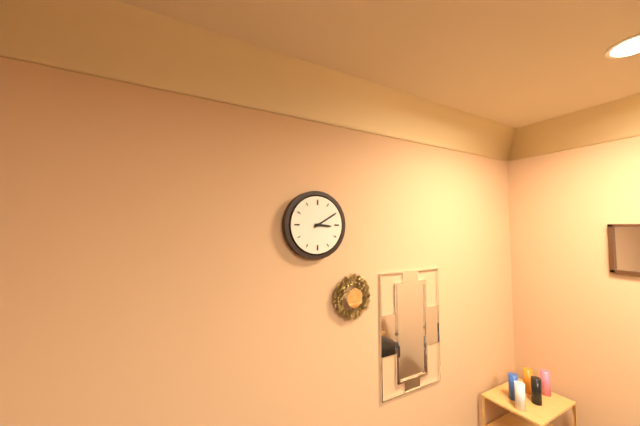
{"hour": 3, "minute": 10}
